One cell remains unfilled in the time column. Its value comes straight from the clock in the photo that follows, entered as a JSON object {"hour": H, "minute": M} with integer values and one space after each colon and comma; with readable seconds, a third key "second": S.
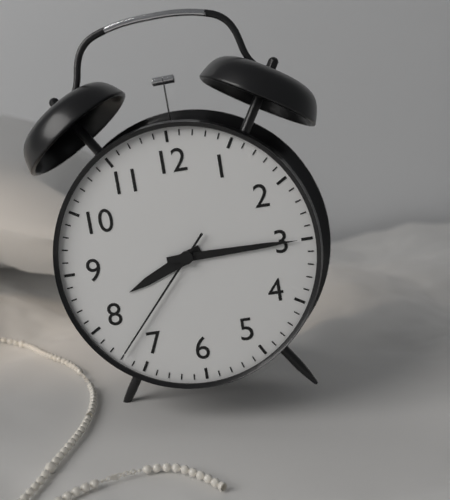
{"hour": 8, "minute": 15, "second": 37}
